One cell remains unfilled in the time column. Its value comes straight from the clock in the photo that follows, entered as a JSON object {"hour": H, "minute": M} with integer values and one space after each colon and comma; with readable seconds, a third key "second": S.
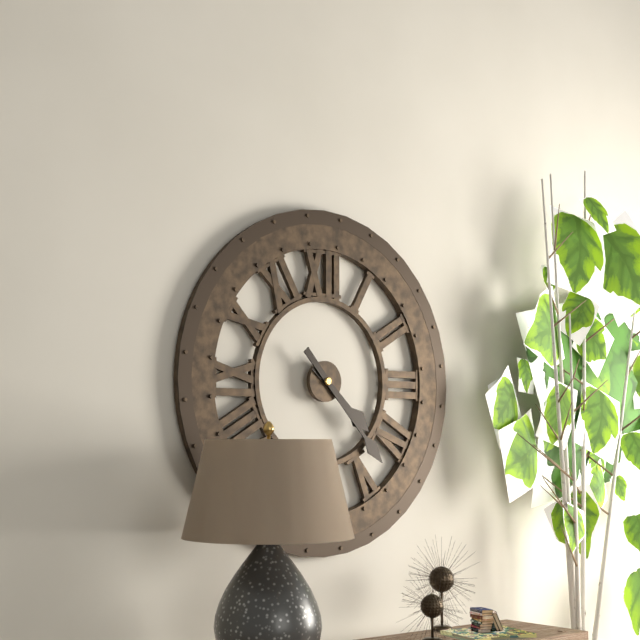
{"hour": 4, "minute": 23}
